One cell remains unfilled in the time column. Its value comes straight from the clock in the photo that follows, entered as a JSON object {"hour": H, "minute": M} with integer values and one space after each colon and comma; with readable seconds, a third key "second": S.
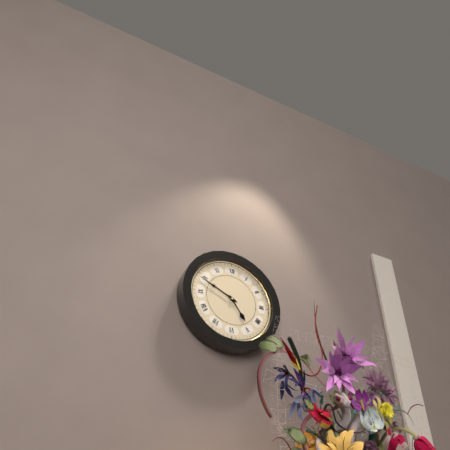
{"hour": 4, "minute": 49}
